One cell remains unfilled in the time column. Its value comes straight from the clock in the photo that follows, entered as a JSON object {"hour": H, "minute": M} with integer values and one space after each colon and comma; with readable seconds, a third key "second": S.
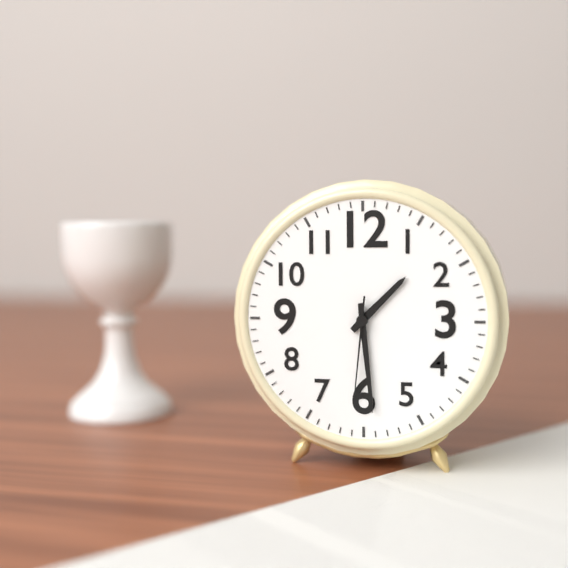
{"hour": 1, "minute": 29, "second": 31}
